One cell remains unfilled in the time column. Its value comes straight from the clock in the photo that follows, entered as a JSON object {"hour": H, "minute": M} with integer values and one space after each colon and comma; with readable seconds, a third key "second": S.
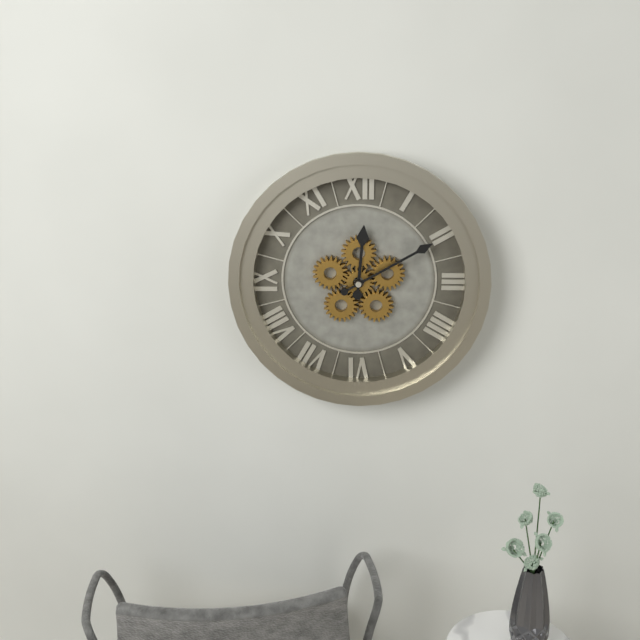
{"hour": 12, "minute": 10}
